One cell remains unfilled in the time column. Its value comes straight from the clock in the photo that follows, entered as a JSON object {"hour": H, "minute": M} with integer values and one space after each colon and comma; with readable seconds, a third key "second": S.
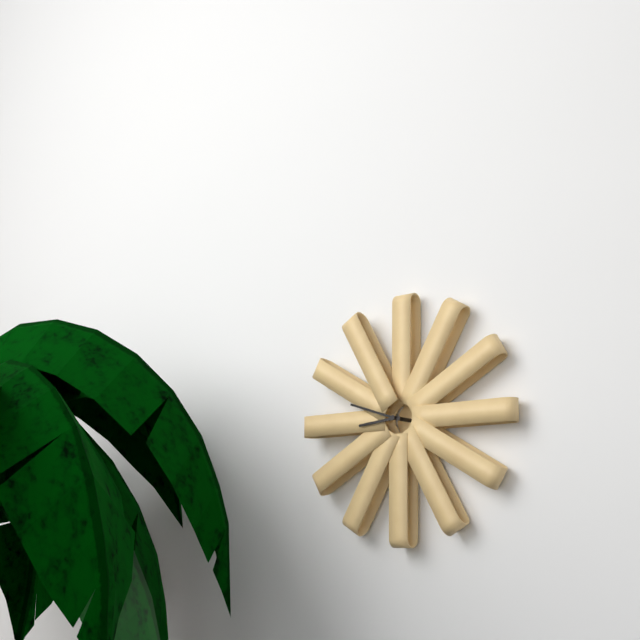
{"hour": 8, "minute": 48}
